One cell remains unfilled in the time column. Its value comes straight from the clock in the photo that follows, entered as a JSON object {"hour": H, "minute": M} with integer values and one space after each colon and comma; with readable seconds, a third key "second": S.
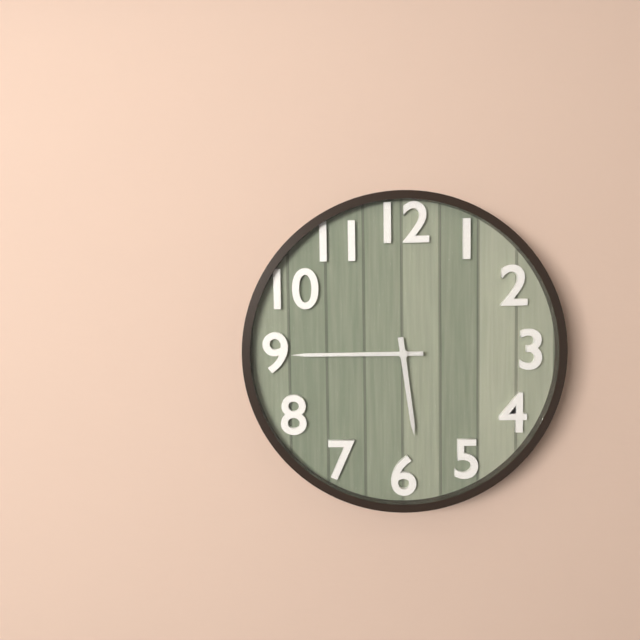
{"hour": 5, "minute": 45}
